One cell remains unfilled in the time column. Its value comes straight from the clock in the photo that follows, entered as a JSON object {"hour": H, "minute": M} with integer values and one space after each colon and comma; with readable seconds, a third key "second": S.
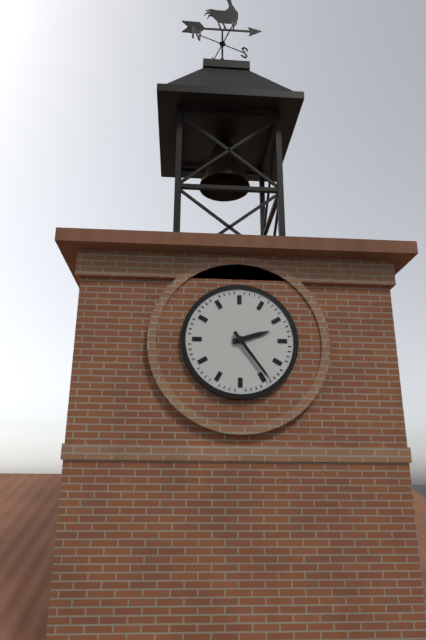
{"hour": 2, "minute": 24}
